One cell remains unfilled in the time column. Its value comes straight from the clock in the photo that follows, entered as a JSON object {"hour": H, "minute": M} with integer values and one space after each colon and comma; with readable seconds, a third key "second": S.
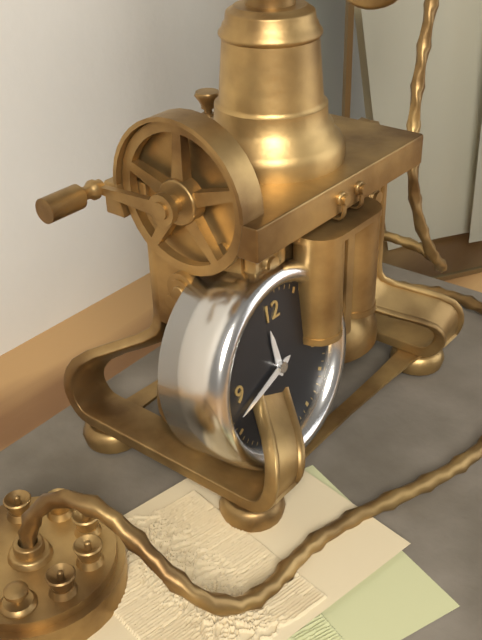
{"hour": 11, "minute": 42}
